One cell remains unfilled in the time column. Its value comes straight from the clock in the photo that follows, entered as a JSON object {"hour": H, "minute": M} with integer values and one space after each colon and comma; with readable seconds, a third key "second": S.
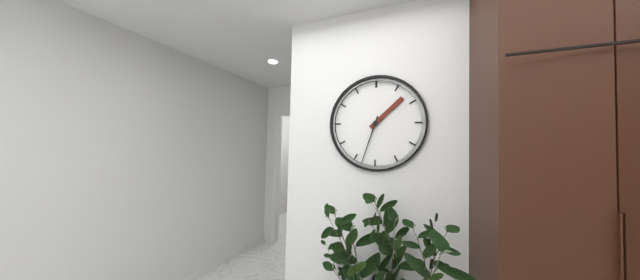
{"hour": 1, "minute": 33}
